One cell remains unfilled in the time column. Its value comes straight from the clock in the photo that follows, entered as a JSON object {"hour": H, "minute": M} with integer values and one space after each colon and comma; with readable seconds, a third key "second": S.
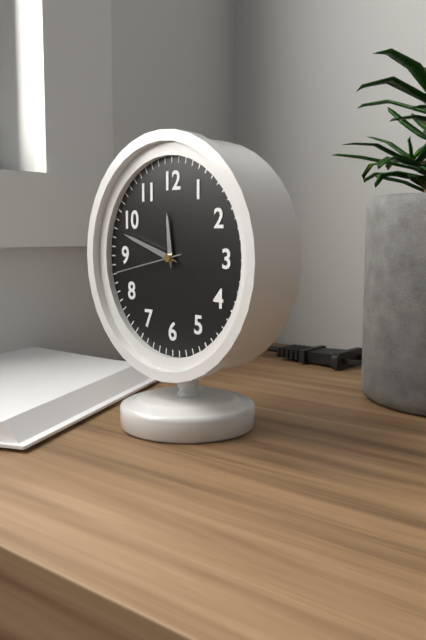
{"hour": 11, "minute": 48, "second": 43}
